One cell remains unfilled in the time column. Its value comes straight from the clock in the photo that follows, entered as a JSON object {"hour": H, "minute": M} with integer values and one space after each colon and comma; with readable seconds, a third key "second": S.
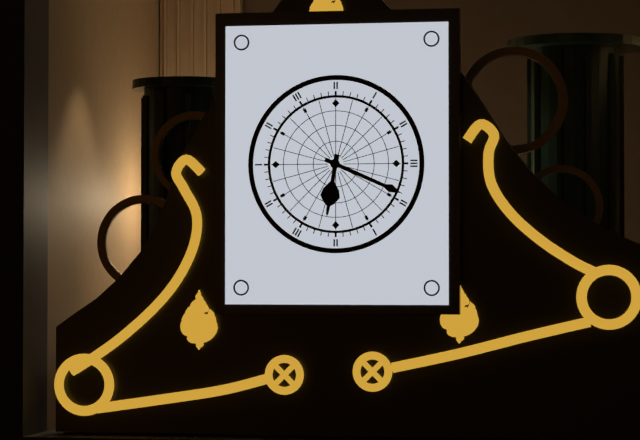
{"hour": 6, "minute": 19}
